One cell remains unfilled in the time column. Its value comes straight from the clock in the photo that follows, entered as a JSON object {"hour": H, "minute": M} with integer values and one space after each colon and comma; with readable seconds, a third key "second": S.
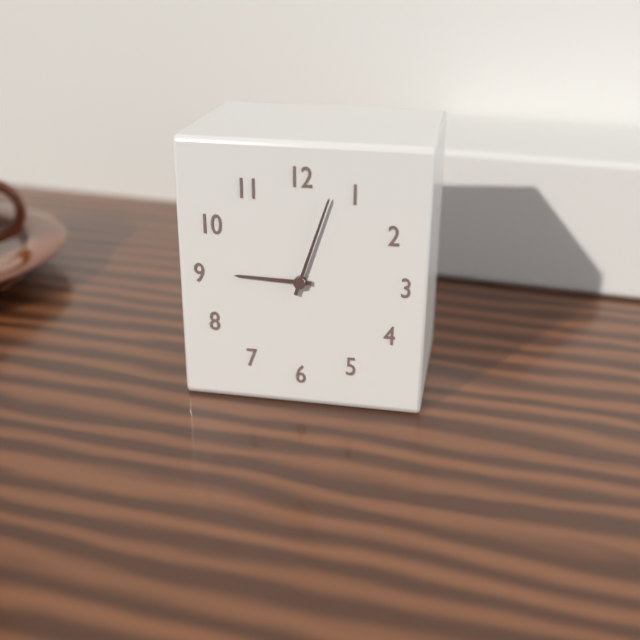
{"hour": 9, "minute": 3}
